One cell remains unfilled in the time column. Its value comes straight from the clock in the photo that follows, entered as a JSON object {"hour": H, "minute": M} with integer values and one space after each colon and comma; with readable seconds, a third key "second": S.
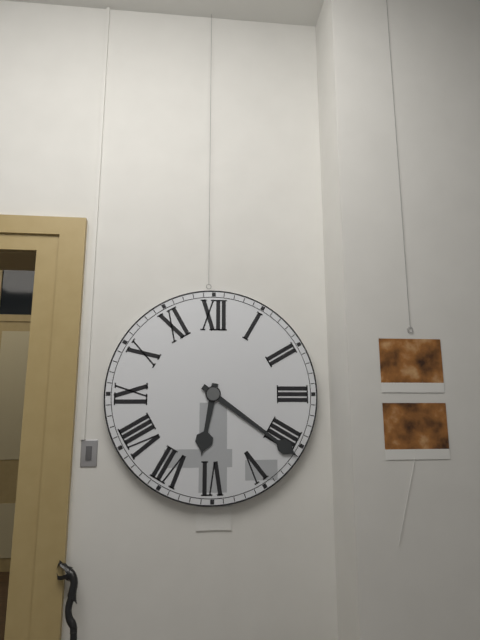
{"hour": 6, "minute": 21}
